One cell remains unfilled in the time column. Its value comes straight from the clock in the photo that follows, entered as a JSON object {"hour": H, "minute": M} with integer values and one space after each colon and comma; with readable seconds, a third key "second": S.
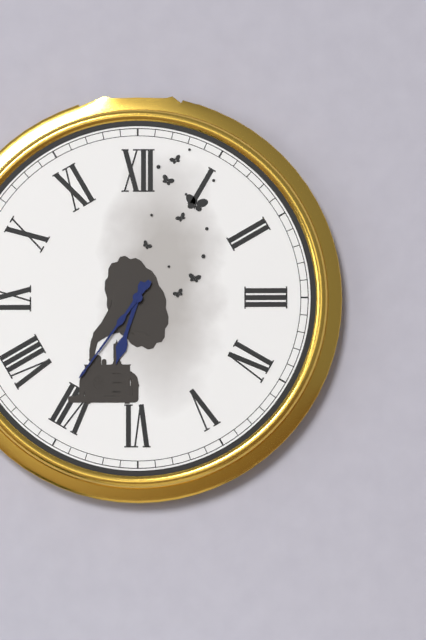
{"hour": 6, "minute": 36}
